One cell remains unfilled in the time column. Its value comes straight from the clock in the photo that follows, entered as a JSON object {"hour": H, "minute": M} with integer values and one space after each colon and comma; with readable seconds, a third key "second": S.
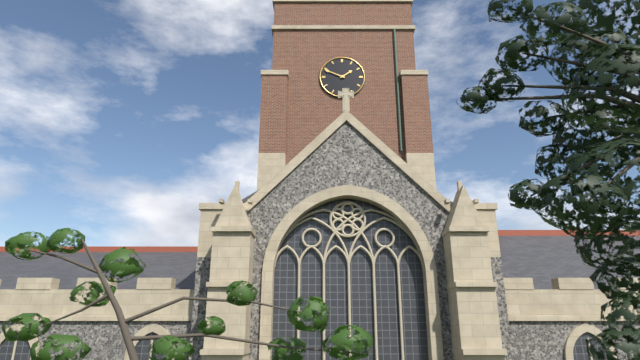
{"hour": 1, "minute": 49}
